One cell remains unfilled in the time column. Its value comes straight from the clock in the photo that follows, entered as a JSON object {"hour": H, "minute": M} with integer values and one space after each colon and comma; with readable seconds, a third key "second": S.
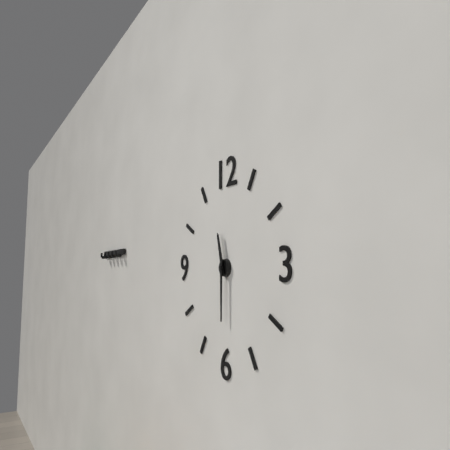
{"hour": 11, "minute": 30}
